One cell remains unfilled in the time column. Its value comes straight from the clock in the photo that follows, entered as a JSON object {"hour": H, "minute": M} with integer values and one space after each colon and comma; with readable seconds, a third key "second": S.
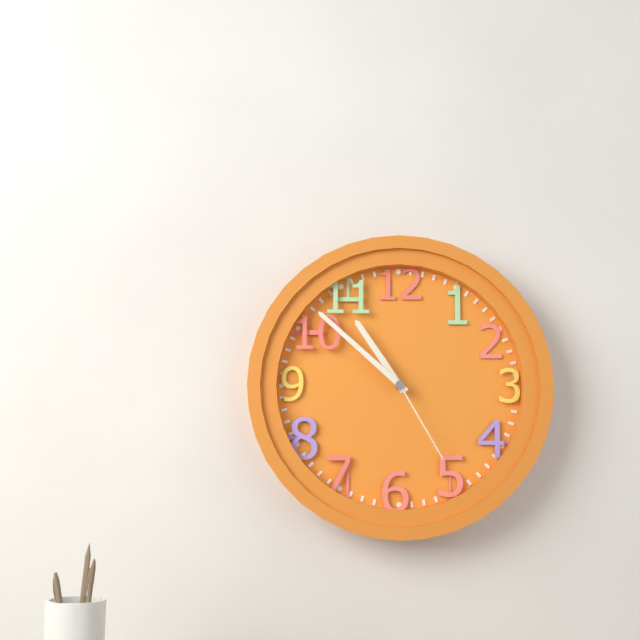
{"hour": 10, "minute": 52, "second": 25}
